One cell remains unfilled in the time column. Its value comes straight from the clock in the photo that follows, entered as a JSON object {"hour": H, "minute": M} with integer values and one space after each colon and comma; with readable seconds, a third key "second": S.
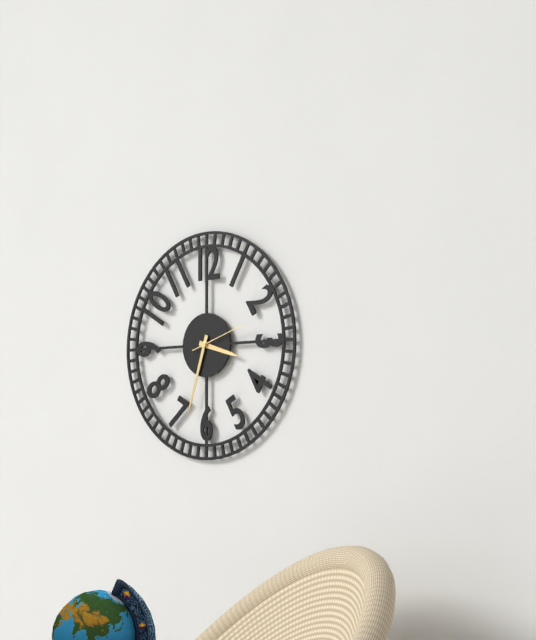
{"hour": 3, "minute": 33, "second": 12}
